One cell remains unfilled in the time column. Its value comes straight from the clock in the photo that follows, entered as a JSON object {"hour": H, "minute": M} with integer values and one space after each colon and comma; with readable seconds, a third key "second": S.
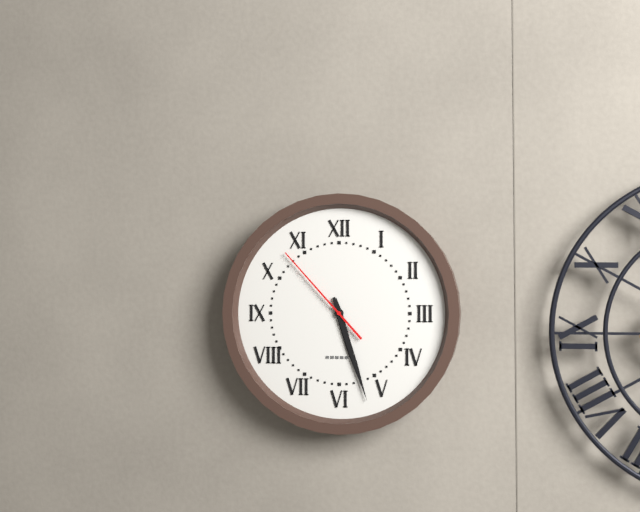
{"hour": 5, "minute": 27, "second": 53}
